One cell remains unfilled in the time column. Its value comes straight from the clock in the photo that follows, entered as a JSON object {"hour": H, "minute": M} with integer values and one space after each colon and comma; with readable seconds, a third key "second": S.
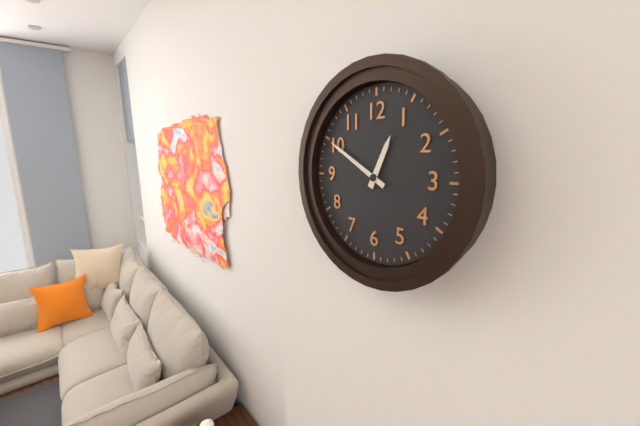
{"hour": 12, "minute": 50}
